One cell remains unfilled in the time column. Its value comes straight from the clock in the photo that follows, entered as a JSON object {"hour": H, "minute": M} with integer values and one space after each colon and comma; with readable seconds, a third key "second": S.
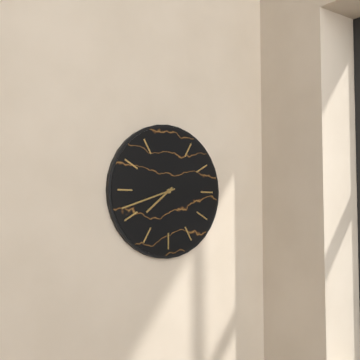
{"hour": 7, "minute": 42}
